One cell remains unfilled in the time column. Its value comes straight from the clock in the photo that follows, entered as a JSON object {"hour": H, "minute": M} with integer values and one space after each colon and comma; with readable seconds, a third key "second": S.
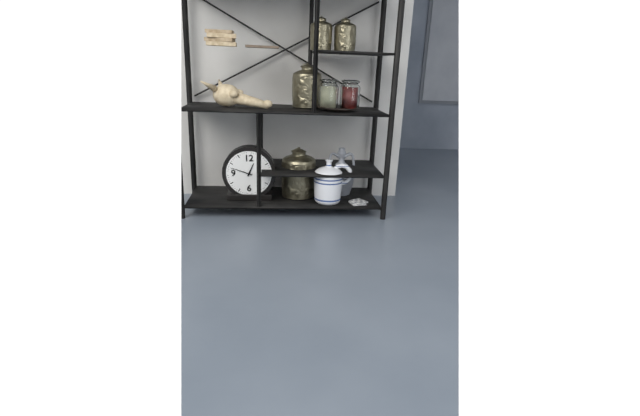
{"hour": 12, "minute": 48}
